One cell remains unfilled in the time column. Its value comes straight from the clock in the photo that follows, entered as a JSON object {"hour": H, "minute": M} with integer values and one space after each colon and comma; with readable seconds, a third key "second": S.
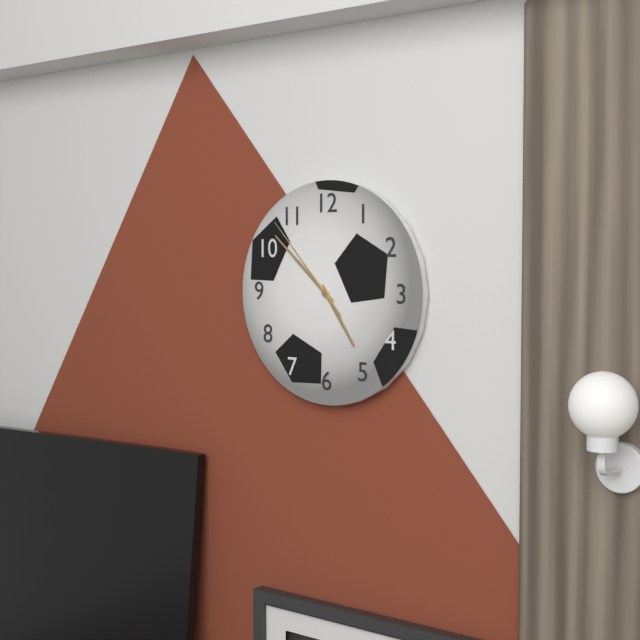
{"hour": 4, "minute": 52, "second": 53}
